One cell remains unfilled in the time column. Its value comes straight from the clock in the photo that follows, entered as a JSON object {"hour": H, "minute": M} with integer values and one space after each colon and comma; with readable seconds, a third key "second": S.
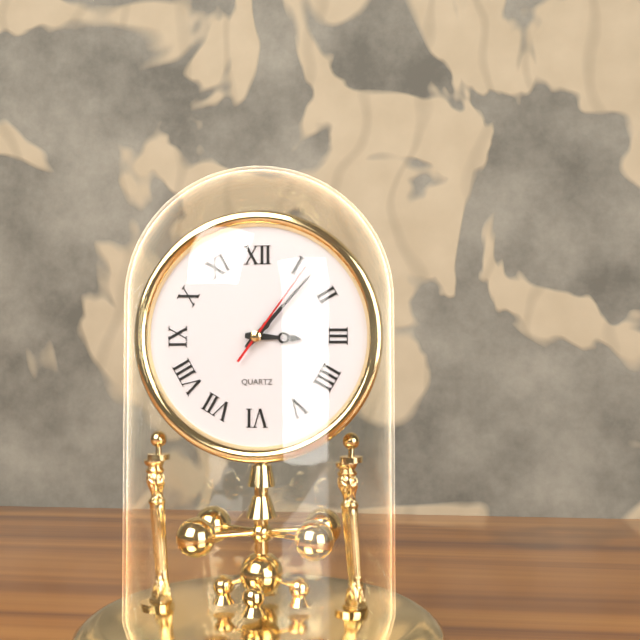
{"hour": 3, "minute": 7, "second": 6}
